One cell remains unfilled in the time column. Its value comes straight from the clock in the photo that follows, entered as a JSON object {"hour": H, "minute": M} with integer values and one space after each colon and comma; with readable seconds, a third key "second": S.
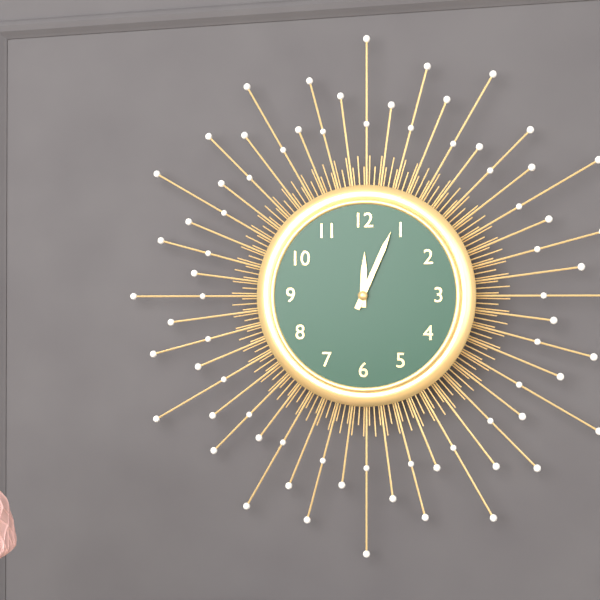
{"hour": 12, "minute": 4}
